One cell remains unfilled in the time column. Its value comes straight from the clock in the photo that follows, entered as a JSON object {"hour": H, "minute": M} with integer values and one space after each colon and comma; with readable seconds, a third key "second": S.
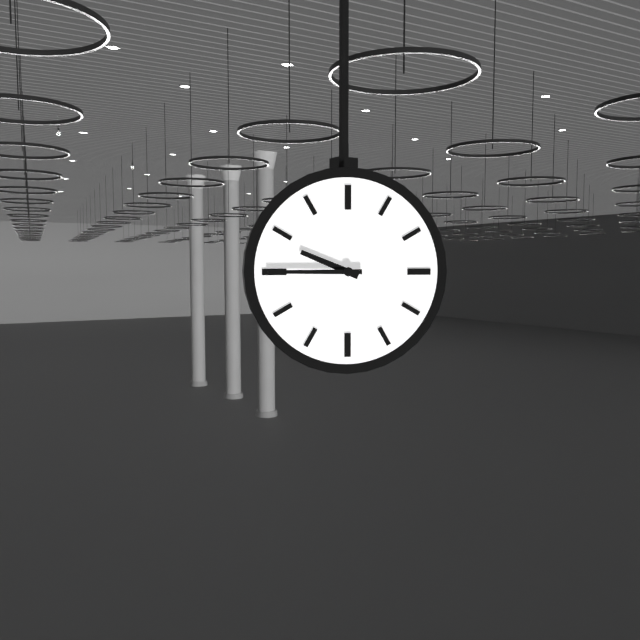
{"hour": 9, "minute": 45}
